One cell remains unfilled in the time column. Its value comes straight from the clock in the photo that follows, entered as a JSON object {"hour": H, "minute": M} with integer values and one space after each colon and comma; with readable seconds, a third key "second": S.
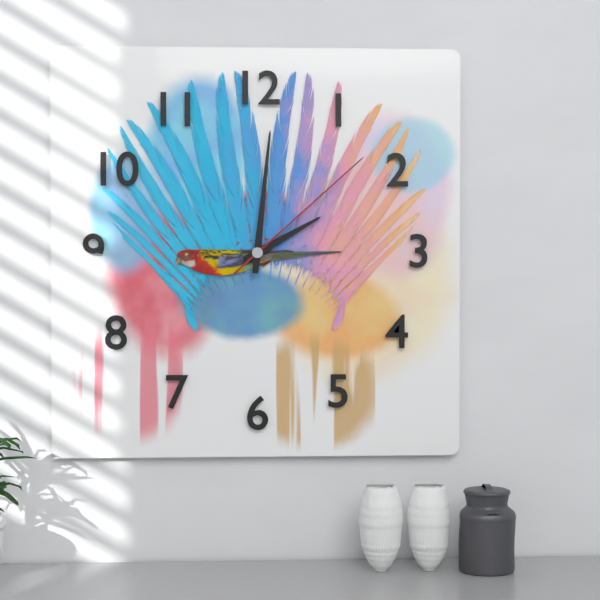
{"hour": 2, "minute": 1, "second": 8}
